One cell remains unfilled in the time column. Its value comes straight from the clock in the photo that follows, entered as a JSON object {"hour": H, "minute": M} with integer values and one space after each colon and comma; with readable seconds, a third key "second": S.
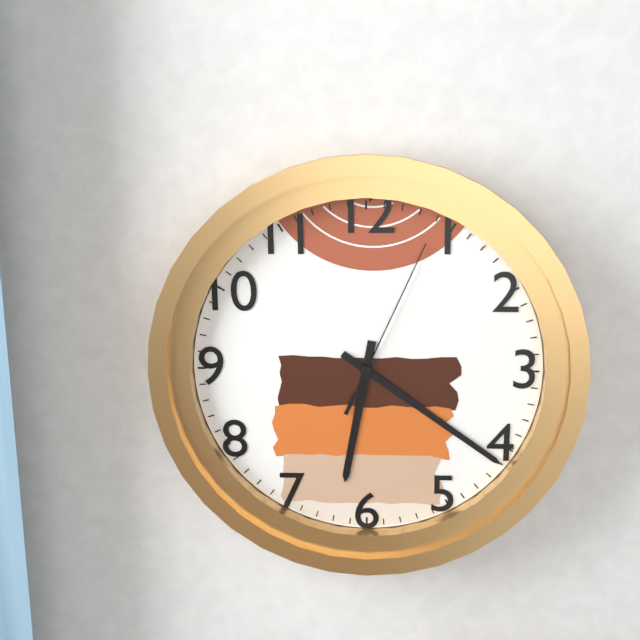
{"hour": 6, "minute": 21, "second": 4}
